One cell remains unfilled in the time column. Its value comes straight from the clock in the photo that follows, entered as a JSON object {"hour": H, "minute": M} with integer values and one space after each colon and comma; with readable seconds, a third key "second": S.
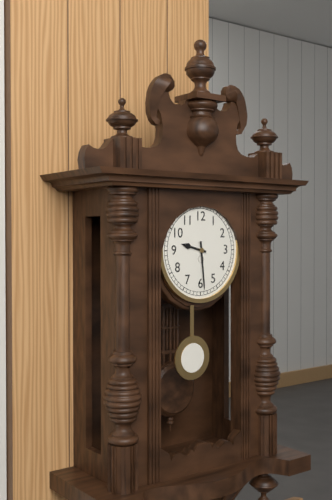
{"hour": 9, "minute": 29}
